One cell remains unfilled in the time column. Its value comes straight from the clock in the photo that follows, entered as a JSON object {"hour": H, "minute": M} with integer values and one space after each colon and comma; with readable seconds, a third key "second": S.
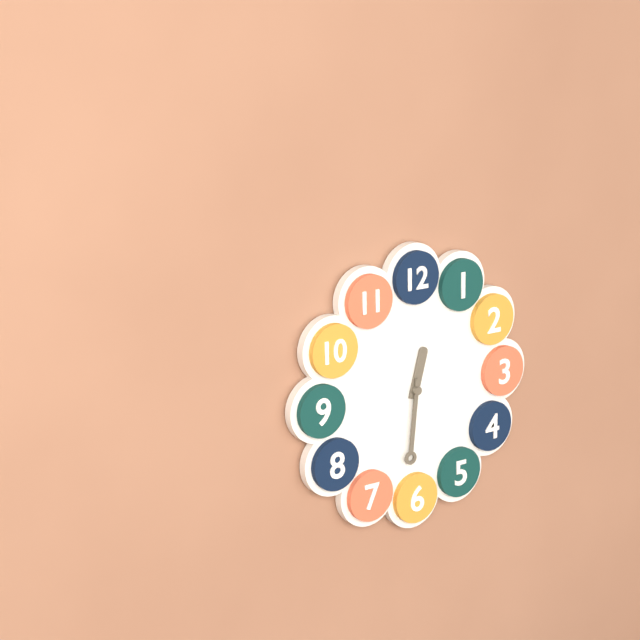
{"hour": 12, "minute": 31}
